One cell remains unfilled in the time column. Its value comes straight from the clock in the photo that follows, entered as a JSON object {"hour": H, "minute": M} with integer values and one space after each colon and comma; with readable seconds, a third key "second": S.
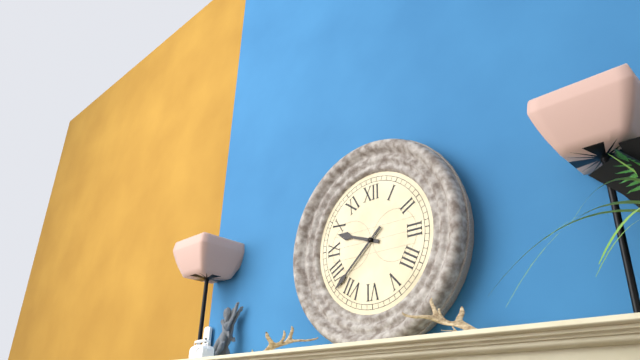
{"hour": 9, "minute": 38}
